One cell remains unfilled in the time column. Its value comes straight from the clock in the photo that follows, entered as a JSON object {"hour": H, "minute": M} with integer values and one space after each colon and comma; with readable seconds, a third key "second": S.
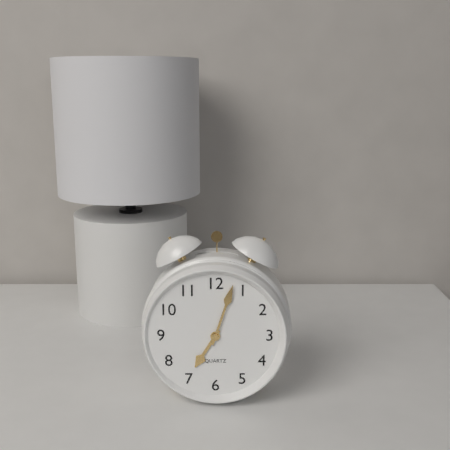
{"hour": 7, "minute": 3}
